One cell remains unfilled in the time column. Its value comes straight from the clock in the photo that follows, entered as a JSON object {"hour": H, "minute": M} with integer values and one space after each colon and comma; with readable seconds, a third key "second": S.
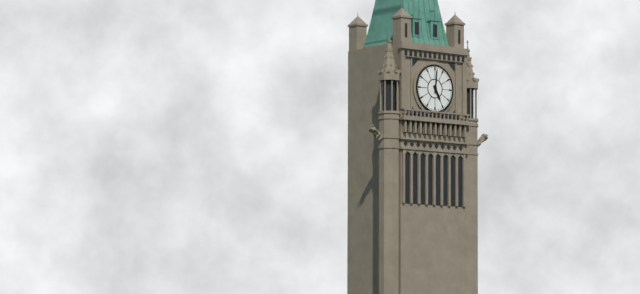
{"hour": 5, "minute": 1}
